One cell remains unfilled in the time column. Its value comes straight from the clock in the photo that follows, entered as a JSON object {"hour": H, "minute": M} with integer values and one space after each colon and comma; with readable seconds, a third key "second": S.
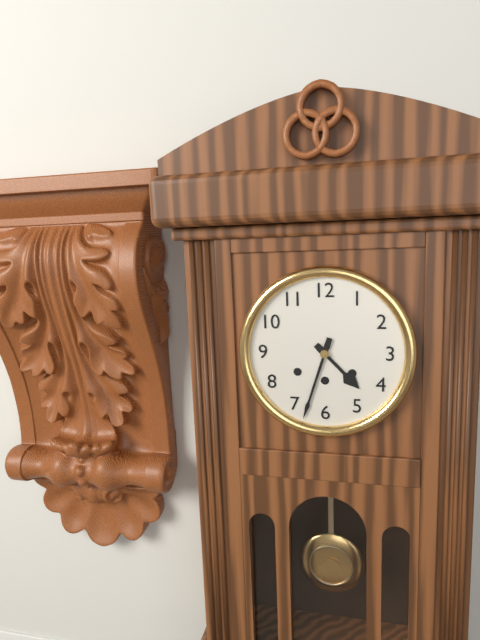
{"hour": 4, "minute": 33}
